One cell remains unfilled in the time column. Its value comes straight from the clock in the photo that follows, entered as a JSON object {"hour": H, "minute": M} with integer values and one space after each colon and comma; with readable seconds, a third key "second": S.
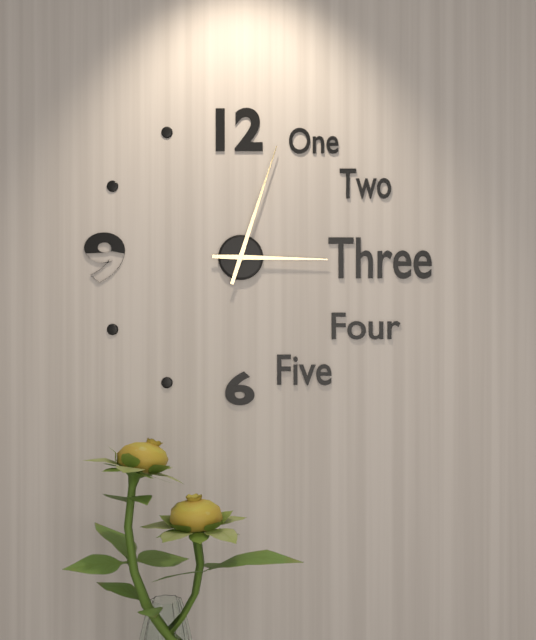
{"hour": 3, "minute": 3}
